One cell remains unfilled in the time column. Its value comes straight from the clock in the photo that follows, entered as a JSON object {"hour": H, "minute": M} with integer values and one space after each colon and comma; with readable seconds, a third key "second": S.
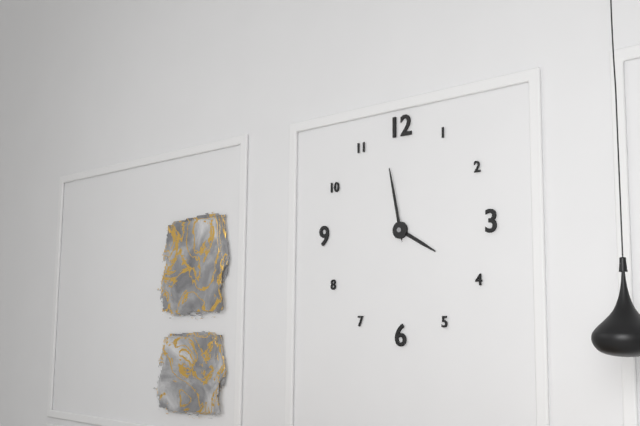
{"hour": 3, "minute": 58}
